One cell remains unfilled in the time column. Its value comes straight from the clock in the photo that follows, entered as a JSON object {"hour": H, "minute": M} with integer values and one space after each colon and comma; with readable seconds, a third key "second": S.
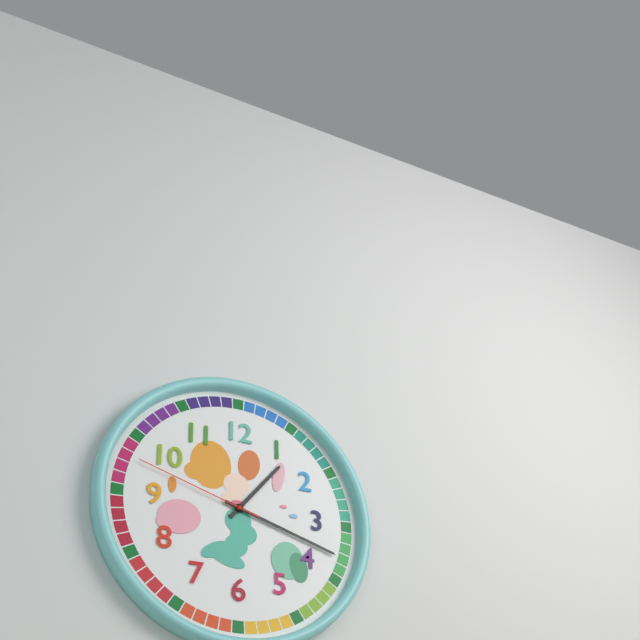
{"hour": 1, "minute": 18, "second": 48}
